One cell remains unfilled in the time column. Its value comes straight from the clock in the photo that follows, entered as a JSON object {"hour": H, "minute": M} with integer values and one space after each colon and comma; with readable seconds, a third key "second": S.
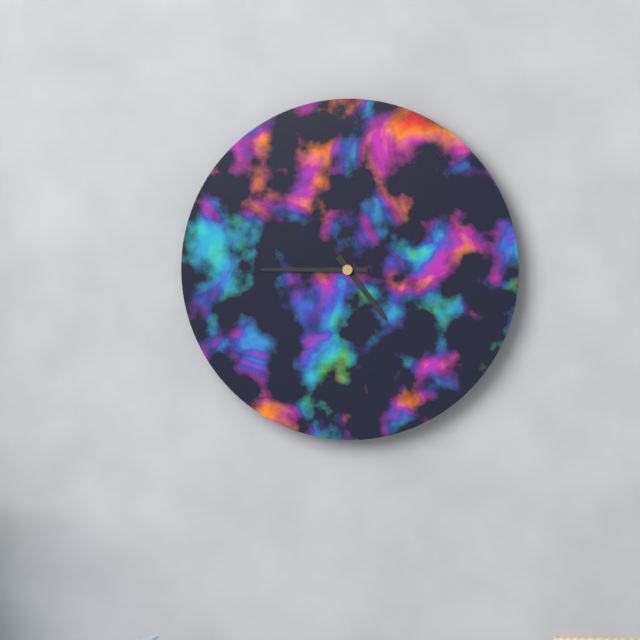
{"hour": 4, "minute": 45}
